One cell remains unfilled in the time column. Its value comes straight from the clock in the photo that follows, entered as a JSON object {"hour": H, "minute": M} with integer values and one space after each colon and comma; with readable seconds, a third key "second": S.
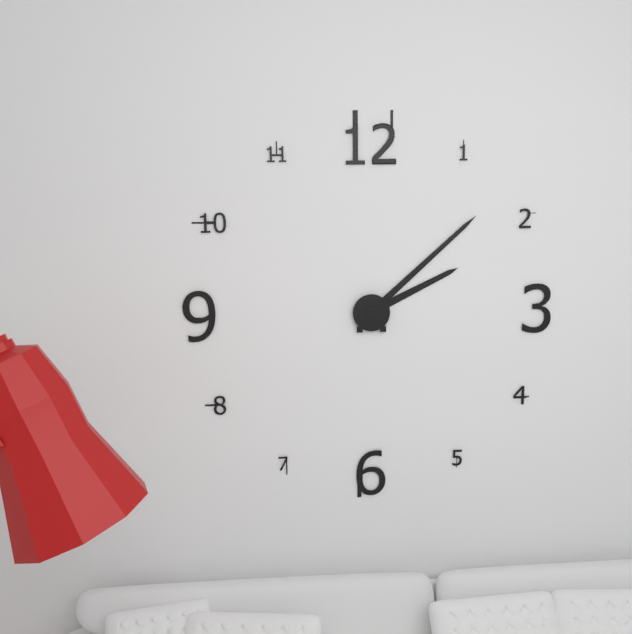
{"hour": 2, "minute": 8}
